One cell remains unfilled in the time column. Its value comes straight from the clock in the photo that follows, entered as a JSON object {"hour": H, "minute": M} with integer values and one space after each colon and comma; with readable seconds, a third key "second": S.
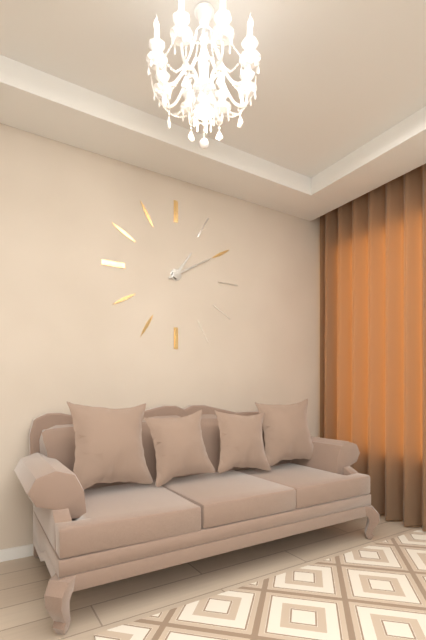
{"hour": 1, "minute": 10}
